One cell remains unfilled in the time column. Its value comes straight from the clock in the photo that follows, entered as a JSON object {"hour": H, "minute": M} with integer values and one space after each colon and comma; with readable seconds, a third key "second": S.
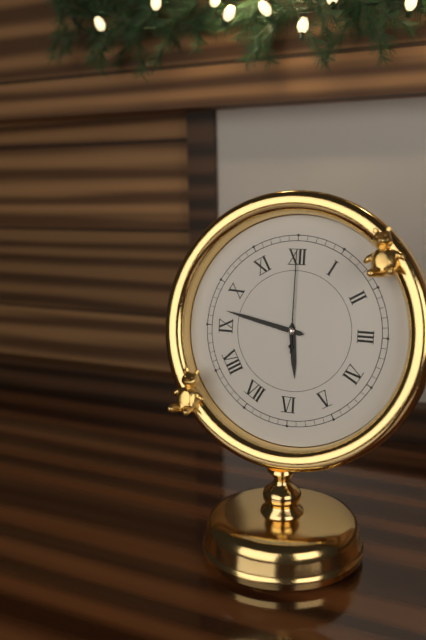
{"hour": 5, "minute": 47, "second": 0}
